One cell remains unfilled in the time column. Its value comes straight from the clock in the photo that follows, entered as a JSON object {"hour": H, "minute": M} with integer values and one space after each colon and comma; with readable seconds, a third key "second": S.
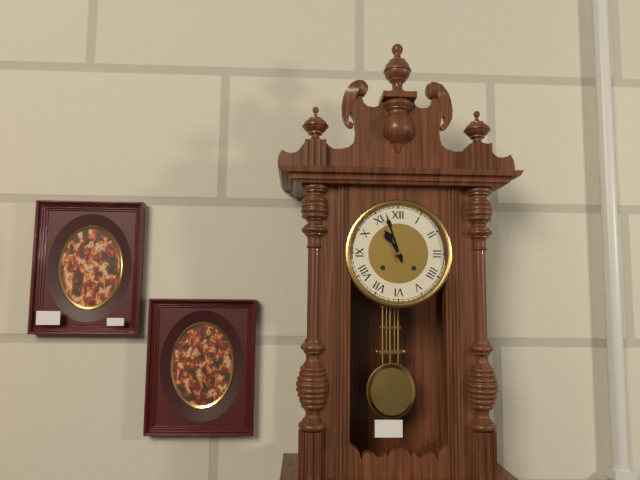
{"hour": 10, "minute": 57}
